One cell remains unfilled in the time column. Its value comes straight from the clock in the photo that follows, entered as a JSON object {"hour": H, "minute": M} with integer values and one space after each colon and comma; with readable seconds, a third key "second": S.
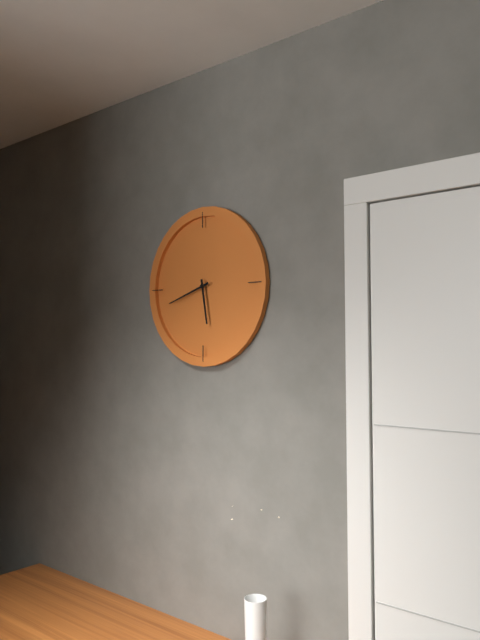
{"hour": 5, "minute": 42}
